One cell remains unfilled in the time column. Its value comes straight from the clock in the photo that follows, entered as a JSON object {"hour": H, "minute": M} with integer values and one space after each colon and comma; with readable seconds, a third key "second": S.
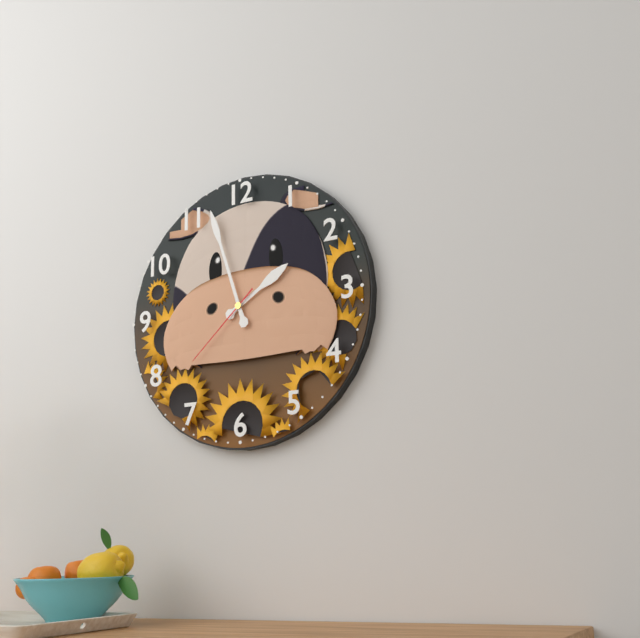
{"hour": 1, "minute": 57, "second": 38}
